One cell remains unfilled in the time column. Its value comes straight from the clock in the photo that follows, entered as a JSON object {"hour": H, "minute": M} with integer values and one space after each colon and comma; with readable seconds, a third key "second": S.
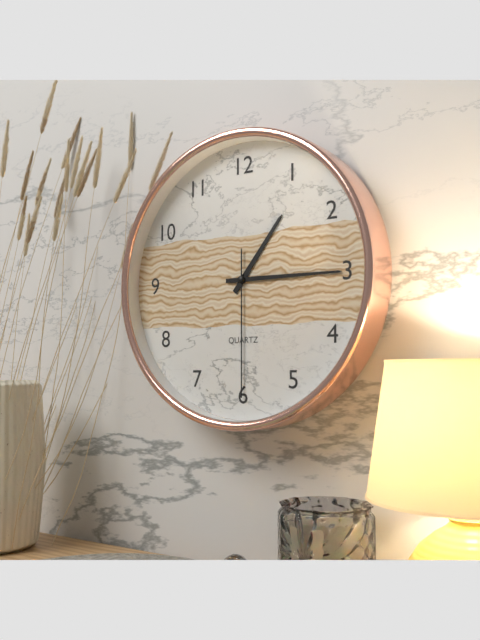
{"hour": 1, "minute": 15, "second": 30}
